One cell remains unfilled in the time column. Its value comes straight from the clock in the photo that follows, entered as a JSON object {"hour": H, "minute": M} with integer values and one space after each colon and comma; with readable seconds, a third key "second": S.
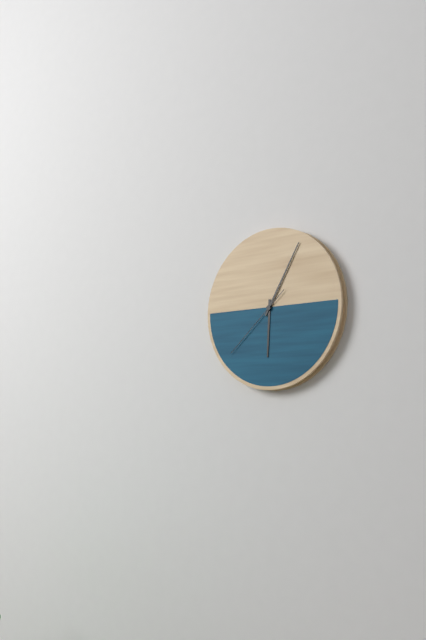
{"hour": 6, "minute": 5, "second": 38}
